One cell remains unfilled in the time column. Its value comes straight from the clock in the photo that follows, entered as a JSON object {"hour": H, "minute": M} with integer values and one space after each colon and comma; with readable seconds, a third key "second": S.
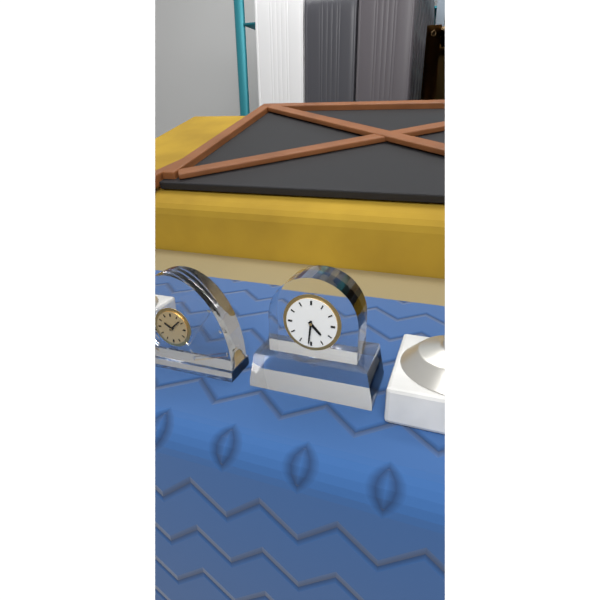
{"hour": 4, "minute": 31}
